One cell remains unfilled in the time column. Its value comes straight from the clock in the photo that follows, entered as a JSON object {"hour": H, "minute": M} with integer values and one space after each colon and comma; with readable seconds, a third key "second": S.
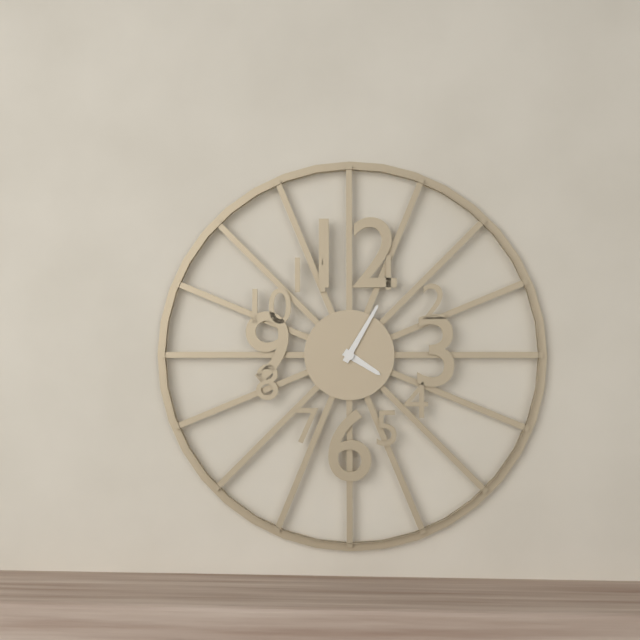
{"hour": 4, "minute": 5}
